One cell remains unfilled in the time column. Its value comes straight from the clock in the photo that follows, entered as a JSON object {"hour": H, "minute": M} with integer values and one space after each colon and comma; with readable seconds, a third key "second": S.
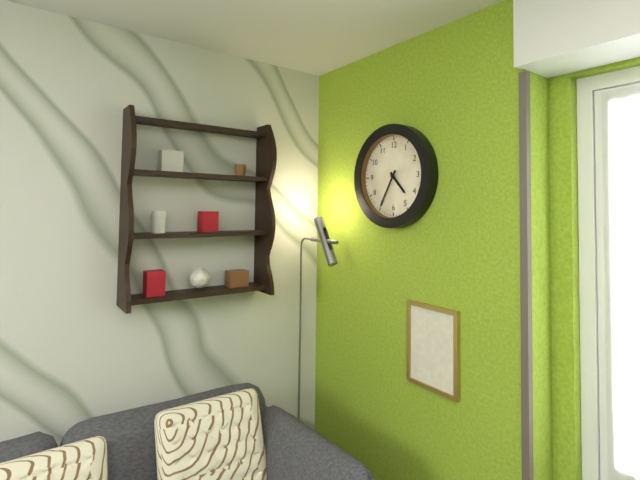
{"hour": 4, "minute": 35}
